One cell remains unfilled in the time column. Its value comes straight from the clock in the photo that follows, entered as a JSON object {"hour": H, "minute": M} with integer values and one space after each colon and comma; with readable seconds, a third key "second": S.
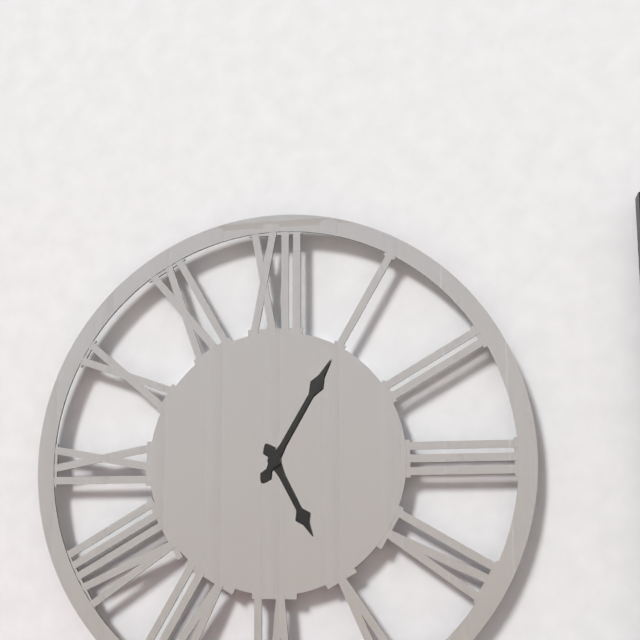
{"hour": 5, "minute": 5}
